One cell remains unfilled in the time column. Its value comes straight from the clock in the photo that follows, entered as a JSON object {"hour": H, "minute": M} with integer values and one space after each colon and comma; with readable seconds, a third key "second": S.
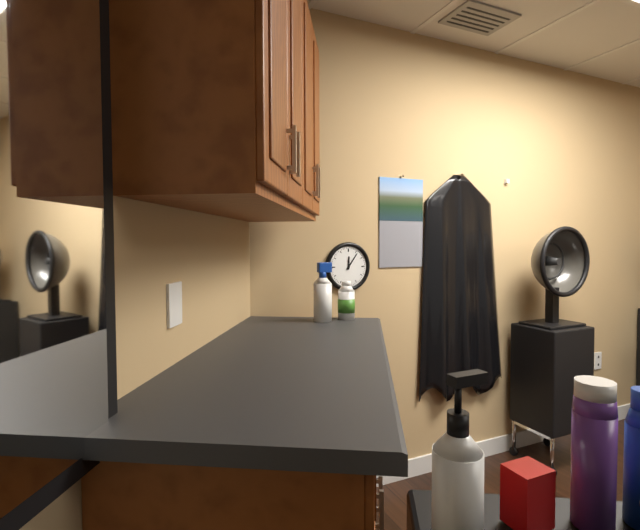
{"hour": 12, "minute": 6}
